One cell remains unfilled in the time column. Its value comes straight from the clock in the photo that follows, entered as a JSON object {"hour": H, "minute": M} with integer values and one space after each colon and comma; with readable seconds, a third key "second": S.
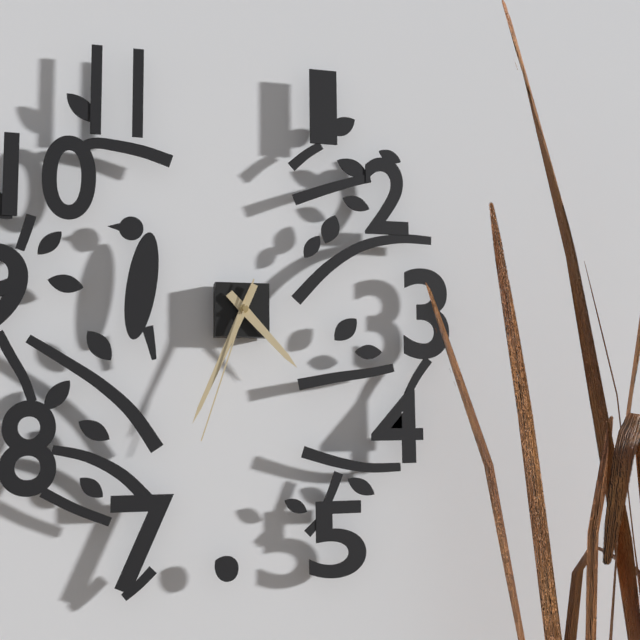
{"hour": 4, "minute": 34, "second": 33}
